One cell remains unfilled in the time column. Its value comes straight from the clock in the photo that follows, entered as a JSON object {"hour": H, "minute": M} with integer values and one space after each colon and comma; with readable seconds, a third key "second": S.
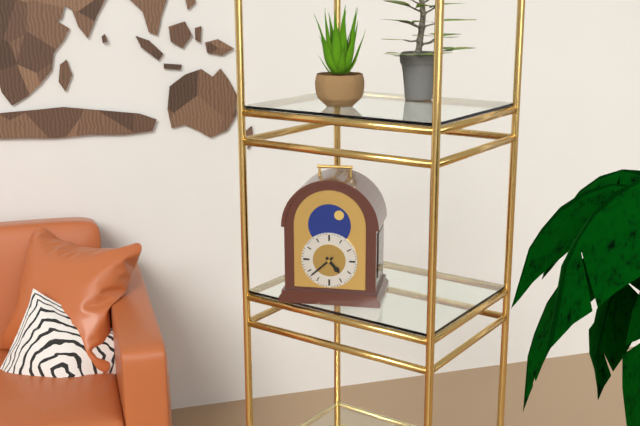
{"hour": 4, "minute": 38}
